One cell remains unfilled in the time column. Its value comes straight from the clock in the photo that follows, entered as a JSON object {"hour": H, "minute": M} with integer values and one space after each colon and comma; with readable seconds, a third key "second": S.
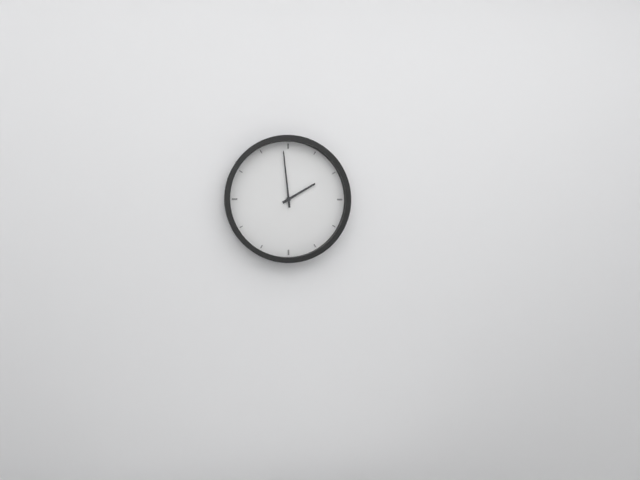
{"hour": 1, "minute": 59}
